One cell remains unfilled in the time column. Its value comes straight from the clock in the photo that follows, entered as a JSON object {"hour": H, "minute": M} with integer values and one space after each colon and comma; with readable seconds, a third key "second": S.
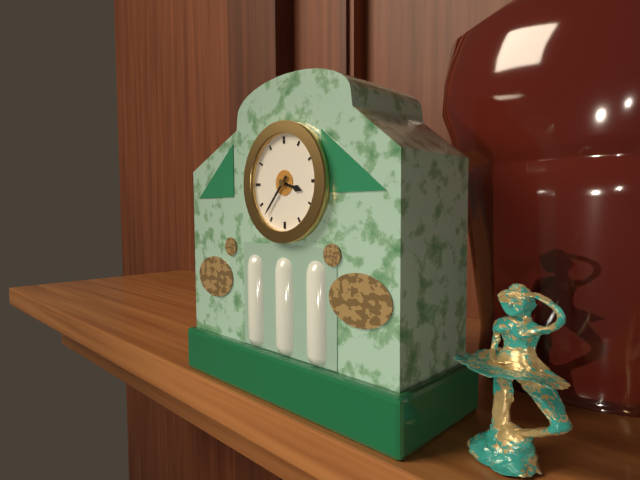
{"hour": 3, "minute": 37}
